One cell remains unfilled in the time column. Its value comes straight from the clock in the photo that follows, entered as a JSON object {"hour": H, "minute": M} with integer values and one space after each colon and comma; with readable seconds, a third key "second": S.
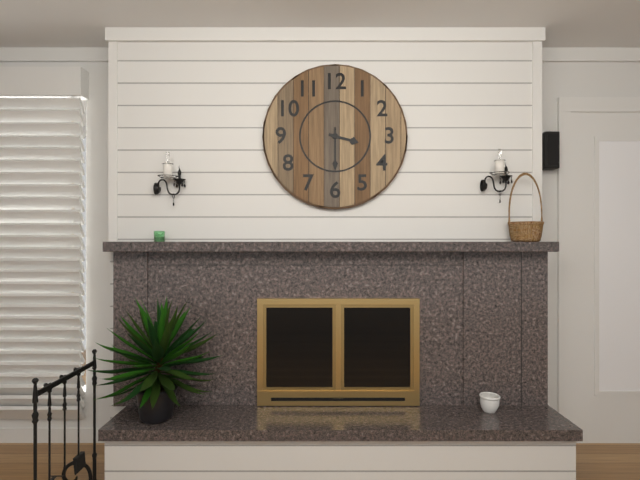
{"hour": 3, "minute": 30}
